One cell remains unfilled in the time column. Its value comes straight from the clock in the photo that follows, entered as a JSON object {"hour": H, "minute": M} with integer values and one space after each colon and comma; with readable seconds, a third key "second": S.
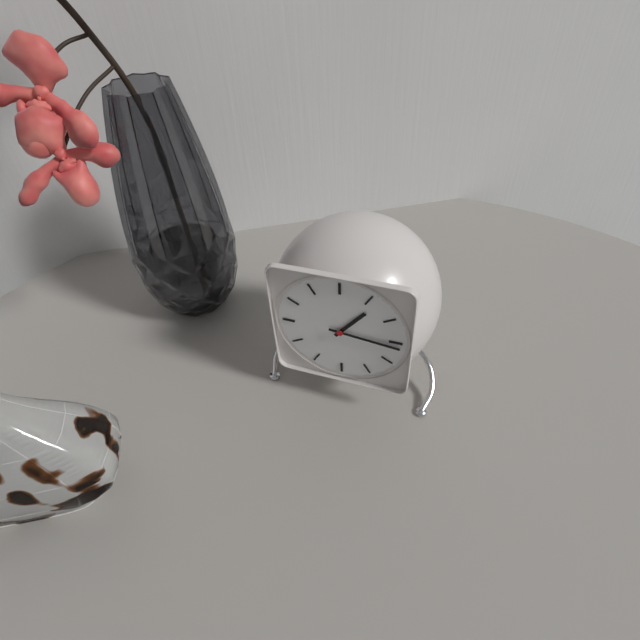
{"hour": 1, "minute": 16}
